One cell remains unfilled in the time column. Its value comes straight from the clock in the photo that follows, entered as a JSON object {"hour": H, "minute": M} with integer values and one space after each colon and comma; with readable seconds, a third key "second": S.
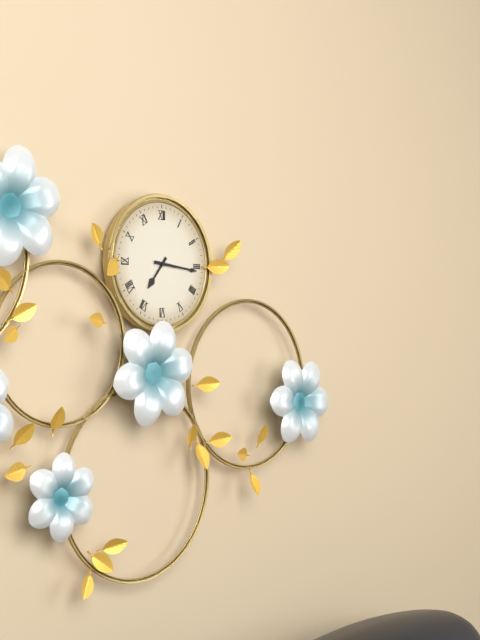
{"hour": 7, "minute": 16}
